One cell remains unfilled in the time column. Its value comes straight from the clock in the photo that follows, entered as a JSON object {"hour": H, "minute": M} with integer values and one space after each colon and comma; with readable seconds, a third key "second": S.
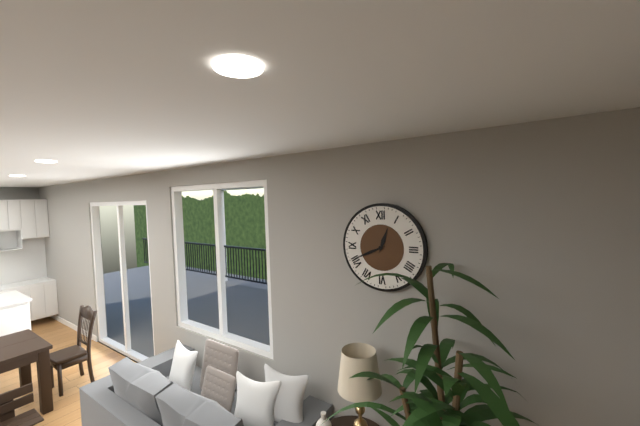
{"hour": 12, "minute": 41}
